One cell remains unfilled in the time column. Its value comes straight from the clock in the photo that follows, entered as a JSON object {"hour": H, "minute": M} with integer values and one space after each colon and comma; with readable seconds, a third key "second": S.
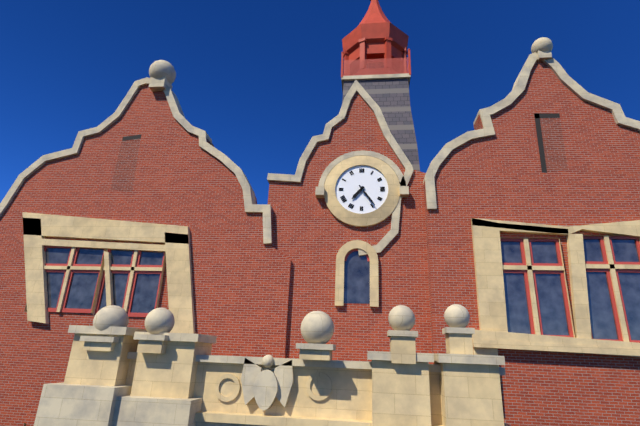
{"hour": 7, "minute": 24}
